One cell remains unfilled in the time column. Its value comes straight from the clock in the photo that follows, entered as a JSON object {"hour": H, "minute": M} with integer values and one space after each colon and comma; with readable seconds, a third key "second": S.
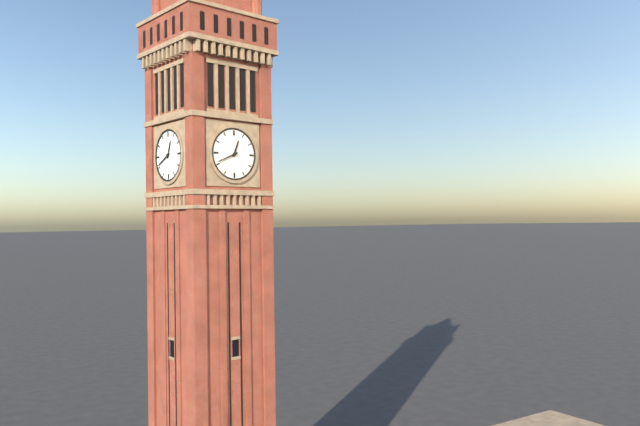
{"hour": 12, "minute": 41}
